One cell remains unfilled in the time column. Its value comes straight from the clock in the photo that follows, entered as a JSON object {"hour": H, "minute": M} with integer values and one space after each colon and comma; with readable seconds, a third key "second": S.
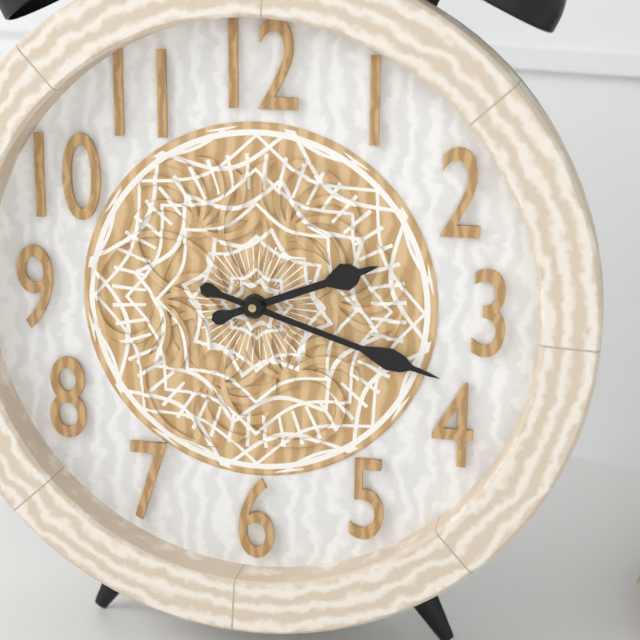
{"hour": 2, "minute": 18}
